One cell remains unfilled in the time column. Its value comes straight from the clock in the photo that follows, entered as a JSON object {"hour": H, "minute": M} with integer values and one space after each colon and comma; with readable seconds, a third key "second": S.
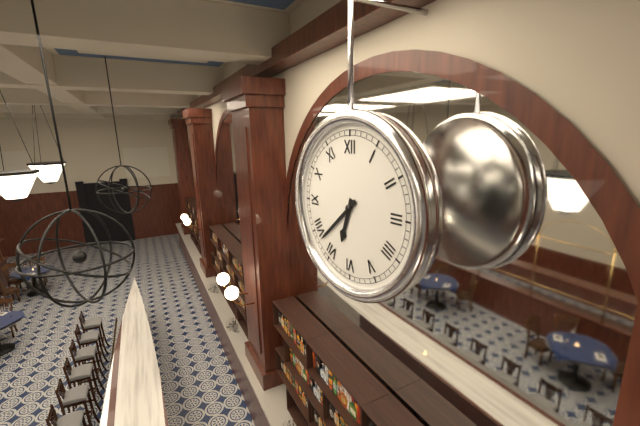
{"hour": 6, "minute": 38}
